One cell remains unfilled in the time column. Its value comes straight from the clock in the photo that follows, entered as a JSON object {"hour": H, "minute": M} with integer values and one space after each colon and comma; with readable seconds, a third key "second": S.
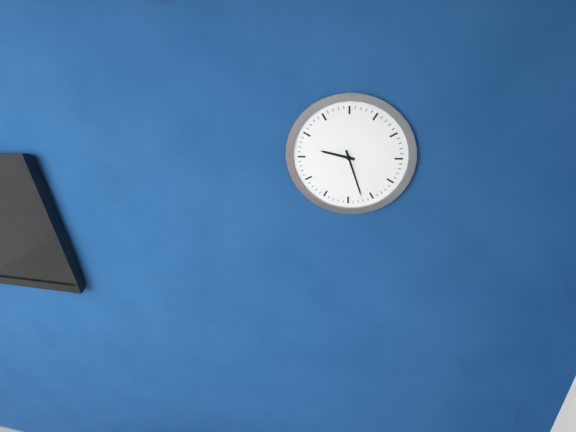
{"hour": 9, "minute": 27}
